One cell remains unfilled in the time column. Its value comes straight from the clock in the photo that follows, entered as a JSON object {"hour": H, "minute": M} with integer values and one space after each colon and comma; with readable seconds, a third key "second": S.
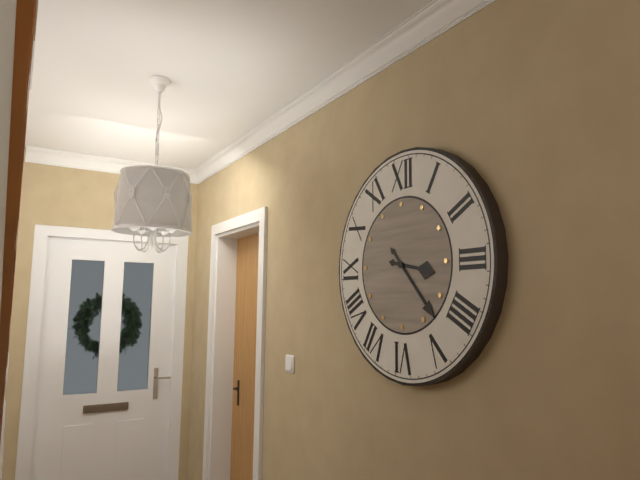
{"hour": 3, "minute": 23}
